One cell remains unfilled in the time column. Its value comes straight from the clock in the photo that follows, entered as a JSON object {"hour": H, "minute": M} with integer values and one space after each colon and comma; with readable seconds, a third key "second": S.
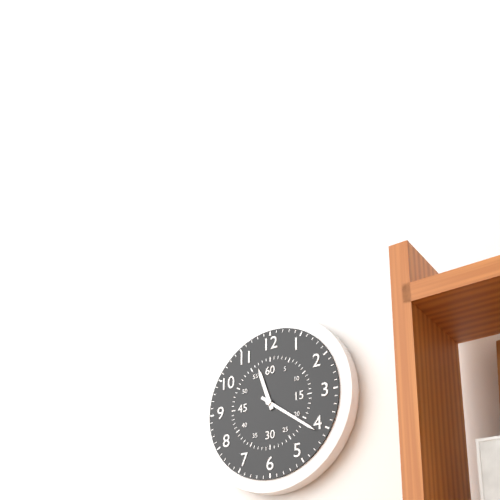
{"hour": 11, "minute": 21}
